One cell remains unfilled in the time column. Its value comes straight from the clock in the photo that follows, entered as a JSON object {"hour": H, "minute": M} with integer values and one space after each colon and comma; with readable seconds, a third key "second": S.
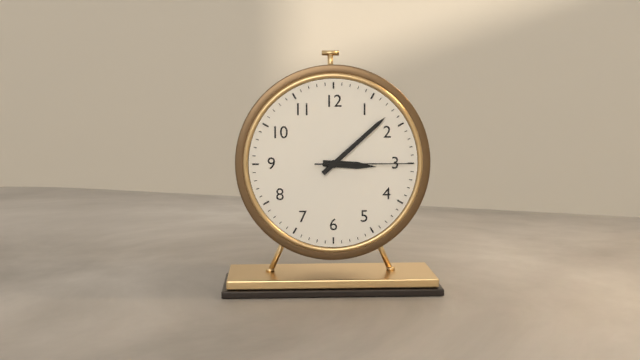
{"hour": 3, "minute": 8, "second": 15}
